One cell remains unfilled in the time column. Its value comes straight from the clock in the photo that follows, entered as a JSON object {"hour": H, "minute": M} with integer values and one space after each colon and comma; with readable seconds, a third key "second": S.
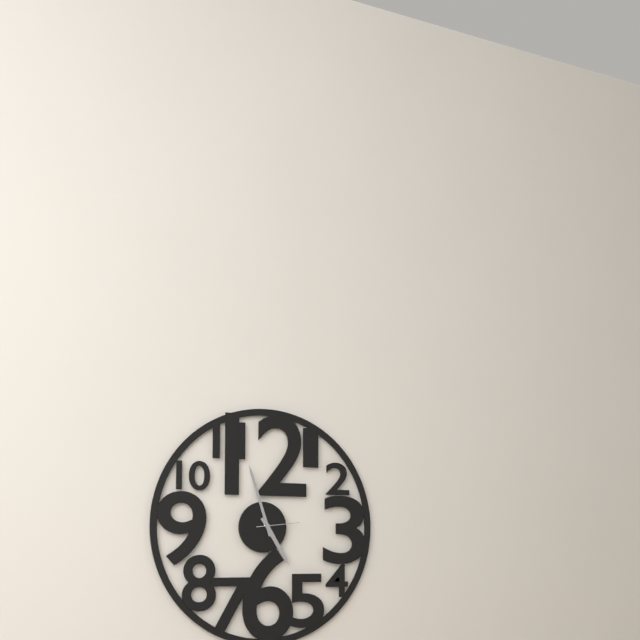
{"hour": 4, "minute": 57}
